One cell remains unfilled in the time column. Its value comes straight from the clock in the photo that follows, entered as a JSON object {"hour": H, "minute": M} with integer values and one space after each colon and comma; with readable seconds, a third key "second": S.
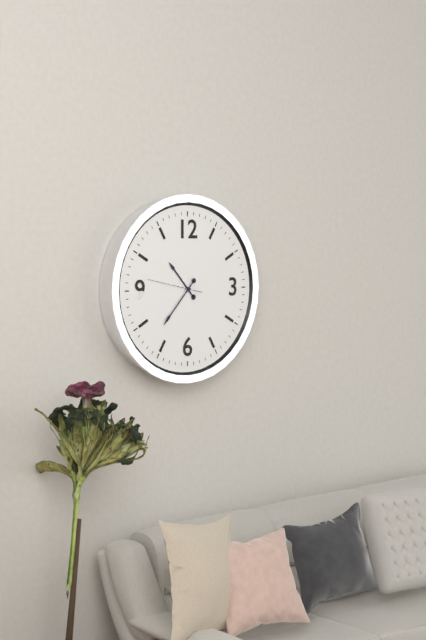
{"hour": 10, "minute": 37, "second": 47}
